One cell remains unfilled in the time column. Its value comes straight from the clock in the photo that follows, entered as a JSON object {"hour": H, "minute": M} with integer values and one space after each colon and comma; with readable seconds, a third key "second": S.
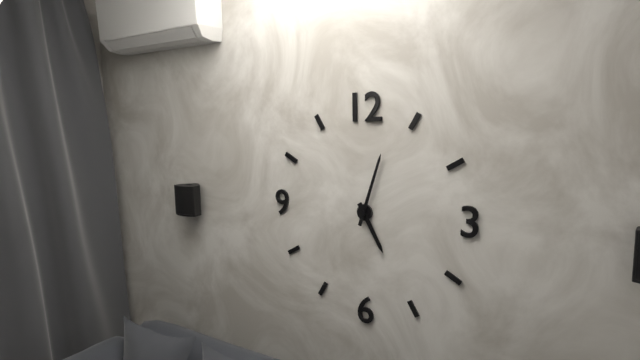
{"hour": 5, "minute": 3}
